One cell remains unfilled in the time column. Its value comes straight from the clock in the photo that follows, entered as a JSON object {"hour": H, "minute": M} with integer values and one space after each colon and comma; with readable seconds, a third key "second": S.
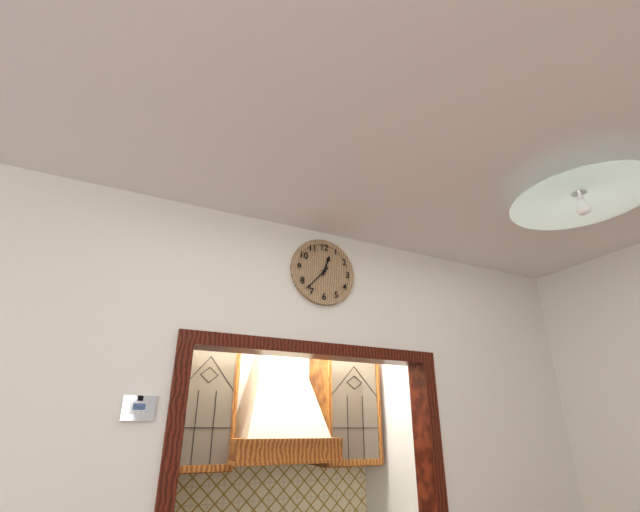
{"hour": 12, "minute": 37}
